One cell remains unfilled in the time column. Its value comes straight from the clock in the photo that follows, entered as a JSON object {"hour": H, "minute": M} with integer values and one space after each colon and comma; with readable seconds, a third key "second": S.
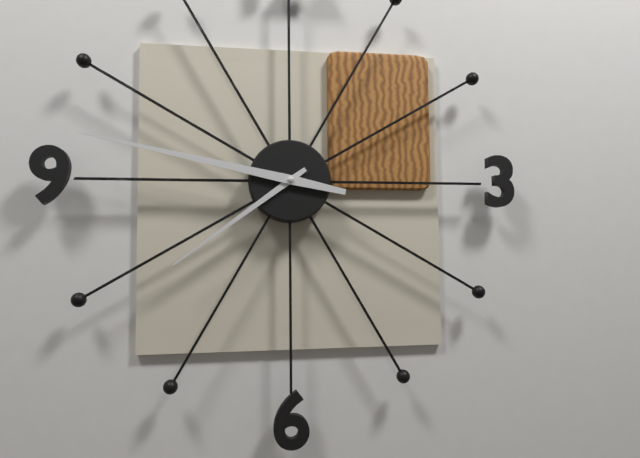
{"hour": 7, "minute": 47}
